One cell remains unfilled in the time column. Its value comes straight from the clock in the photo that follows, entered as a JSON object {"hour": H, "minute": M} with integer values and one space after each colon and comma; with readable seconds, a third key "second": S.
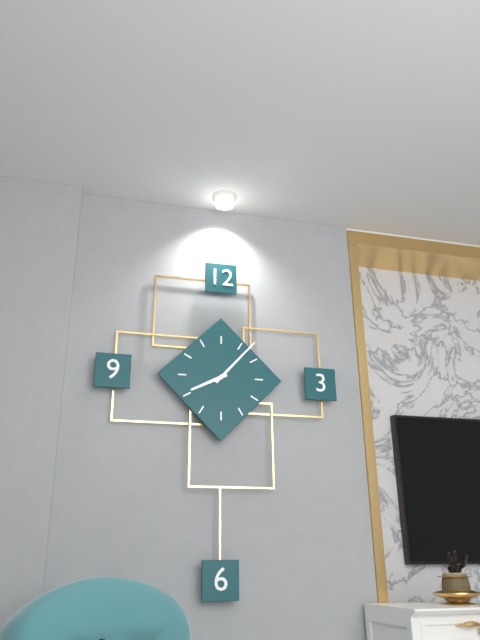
{"hour": 8, "minute": 7}
